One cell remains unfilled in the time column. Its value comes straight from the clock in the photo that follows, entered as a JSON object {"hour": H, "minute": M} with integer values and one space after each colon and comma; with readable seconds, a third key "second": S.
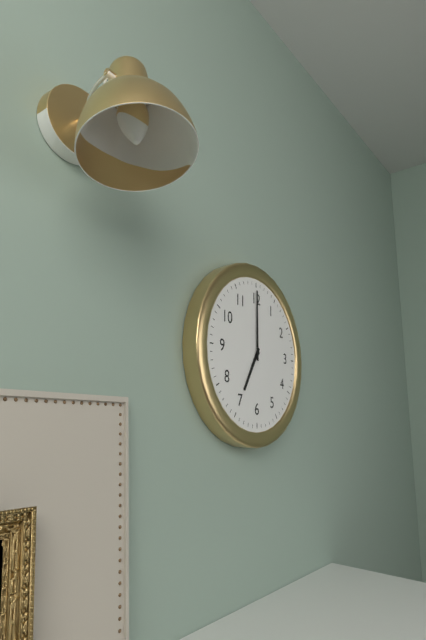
{"hour": 7, "minute": 0}
